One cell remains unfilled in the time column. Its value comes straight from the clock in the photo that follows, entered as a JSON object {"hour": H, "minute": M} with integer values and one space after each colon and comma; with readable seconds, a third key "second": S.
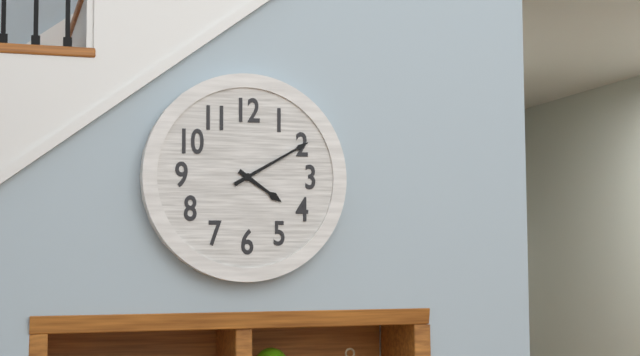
{"hour": 4, "minute": 10}
